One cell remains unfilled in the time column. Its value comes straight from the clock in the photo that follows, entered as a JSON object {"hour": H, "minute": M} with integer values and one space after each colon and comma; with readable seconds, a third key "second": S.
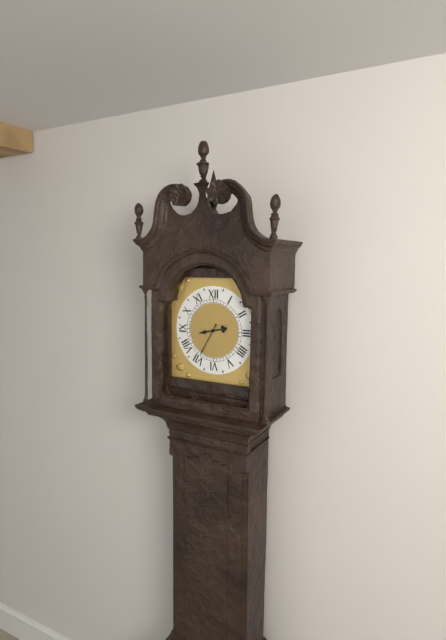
{"hour": 8, "minute": 35}
